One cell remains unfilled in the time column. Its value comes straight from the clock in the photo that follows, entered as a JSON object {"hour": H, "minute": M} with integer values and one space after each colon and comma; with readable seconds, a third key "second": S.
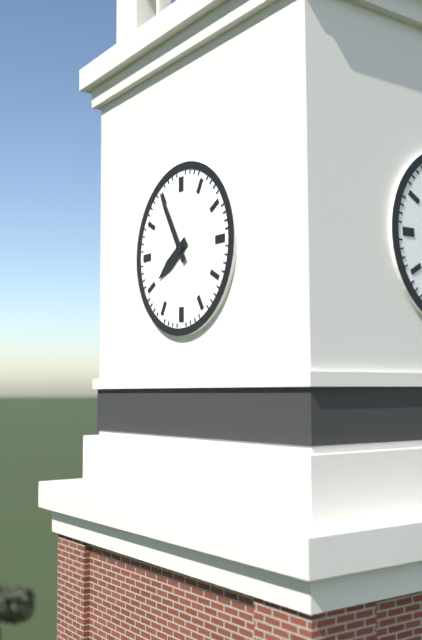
{"hour": 7, "minute": 55}
